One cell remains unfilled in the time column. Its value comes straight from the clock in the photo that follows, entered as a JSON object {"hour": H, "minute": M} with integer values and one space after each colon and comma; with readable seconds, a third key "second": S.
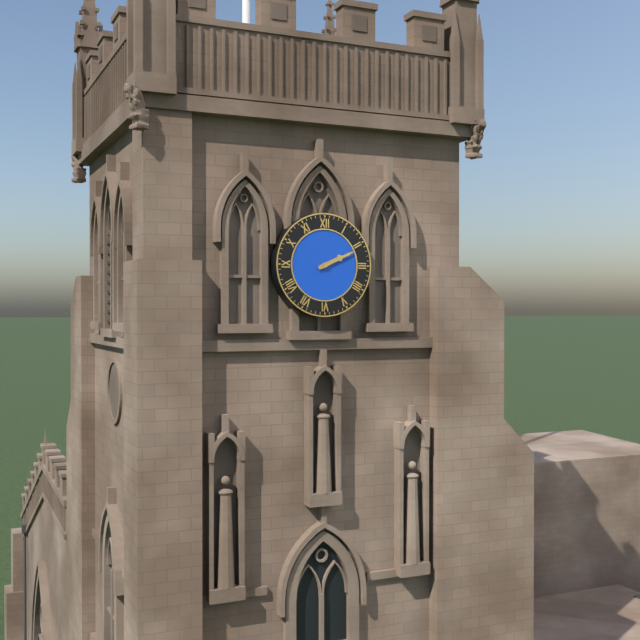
{"hour": 2, "minute": 11}
